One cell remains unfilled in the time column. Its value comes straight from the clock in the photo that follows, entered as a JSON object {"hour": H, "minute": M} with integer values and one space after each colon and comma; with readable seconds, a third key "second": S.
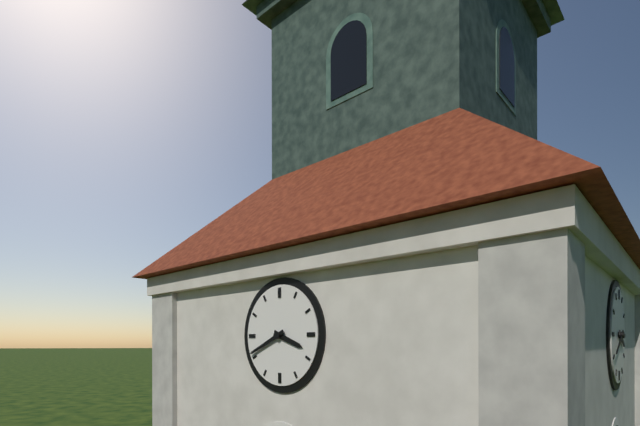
{"hour": 3, "minute": 41}
